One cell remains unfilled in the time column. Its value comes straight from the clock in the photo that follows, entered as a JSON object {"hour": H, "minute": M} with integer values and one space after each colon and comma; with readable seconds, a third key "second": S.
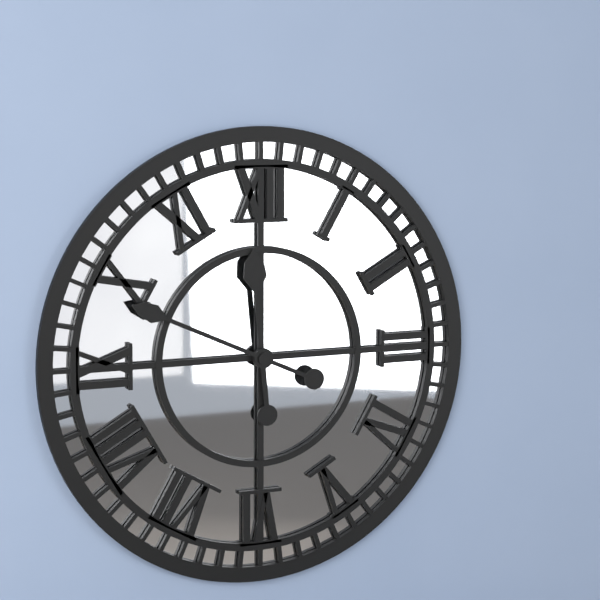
{"hour": 11, "minute": 49}
